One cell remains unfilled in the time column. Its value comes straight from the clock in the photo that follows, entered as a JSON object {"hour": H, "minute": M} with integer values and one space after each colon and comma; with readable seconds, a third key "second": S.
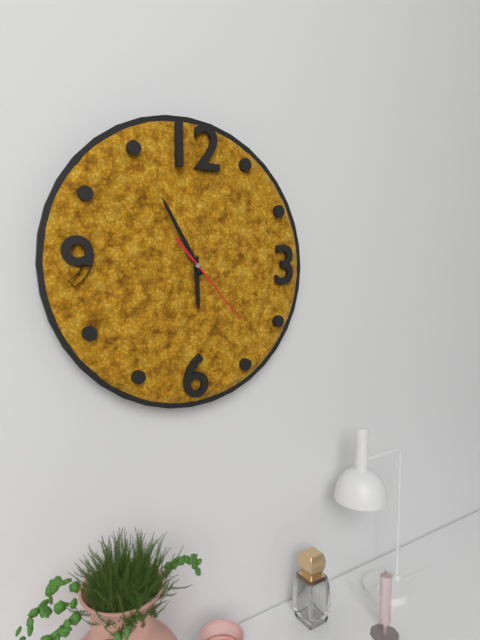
{"hour": 5, "minute": 55, "second": 23}
